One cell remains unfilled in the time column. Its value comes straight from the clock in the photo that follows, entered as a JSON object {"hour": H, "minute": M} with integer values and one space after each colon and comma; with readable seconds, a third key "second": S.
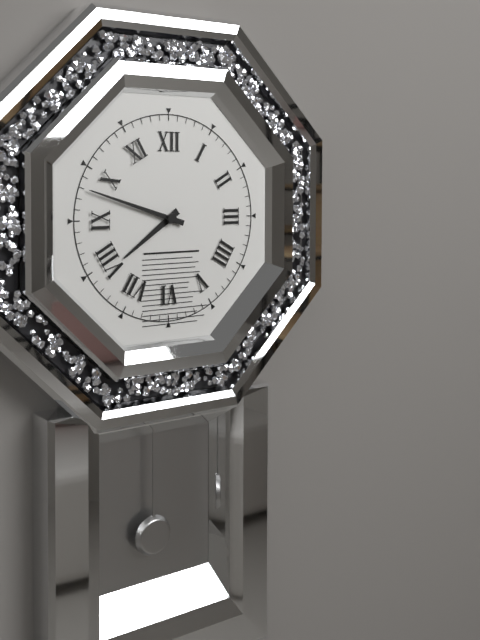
{"hour": 7, "minute": 48}
